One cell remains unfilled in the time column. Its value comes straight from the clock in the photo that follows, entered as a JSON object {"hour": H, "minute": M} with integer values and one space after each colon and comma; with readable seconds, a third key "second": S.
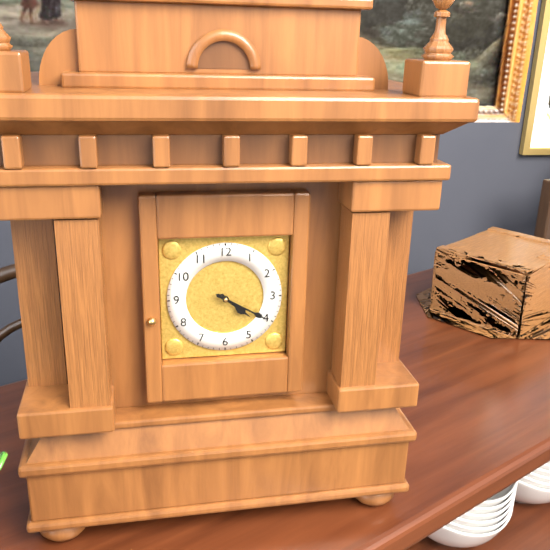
{"hour": 4, "minute": 20}
